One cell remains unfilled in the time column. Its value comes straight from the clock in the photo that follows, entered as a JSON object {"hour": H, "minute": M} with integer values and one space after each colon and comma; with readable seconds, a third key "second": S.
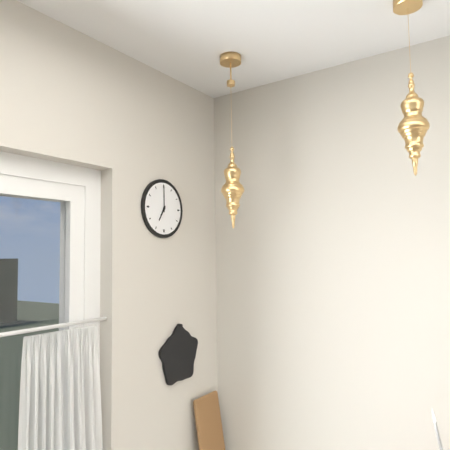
{"hour": 7, "minute": 0}
